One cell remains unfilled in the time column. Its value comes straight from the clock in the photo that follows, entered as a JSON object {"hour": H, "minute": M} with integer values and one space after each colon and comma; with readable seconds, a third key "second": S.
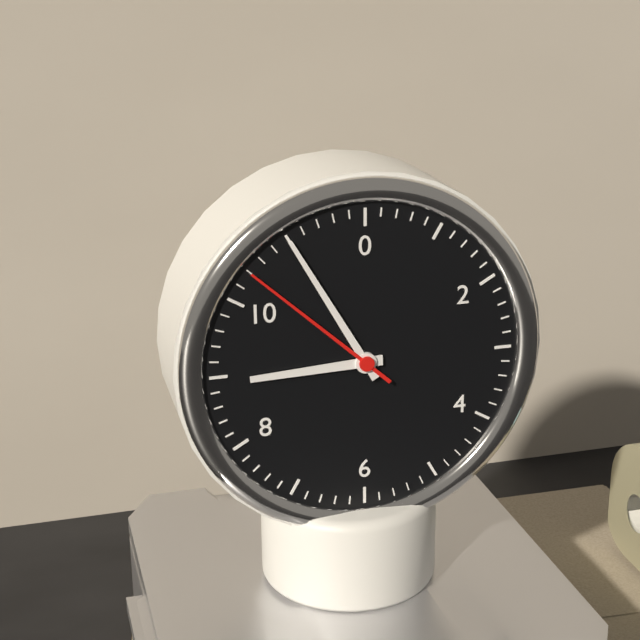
{"hour": 8, "minute": 55, "second": 52}
